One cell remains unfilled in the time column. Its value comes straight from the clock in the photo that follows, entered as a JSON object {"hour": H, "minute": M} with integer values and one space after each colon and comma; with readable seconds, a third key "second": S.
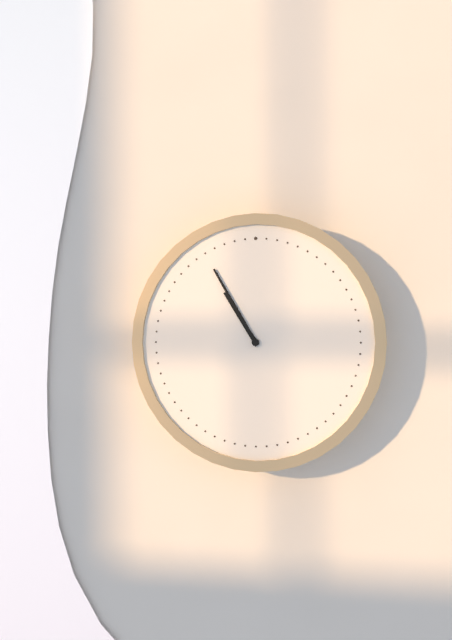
{"hour": 10, "minute": 55}
